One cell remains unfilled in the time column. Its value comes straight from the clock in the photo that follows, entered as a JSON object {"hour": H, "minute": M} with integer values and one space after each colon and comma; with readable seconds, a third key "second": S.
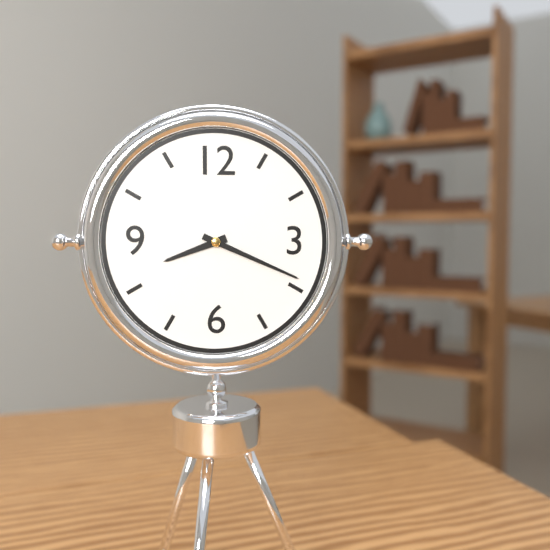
{"hour": 8, "minute": 19}
